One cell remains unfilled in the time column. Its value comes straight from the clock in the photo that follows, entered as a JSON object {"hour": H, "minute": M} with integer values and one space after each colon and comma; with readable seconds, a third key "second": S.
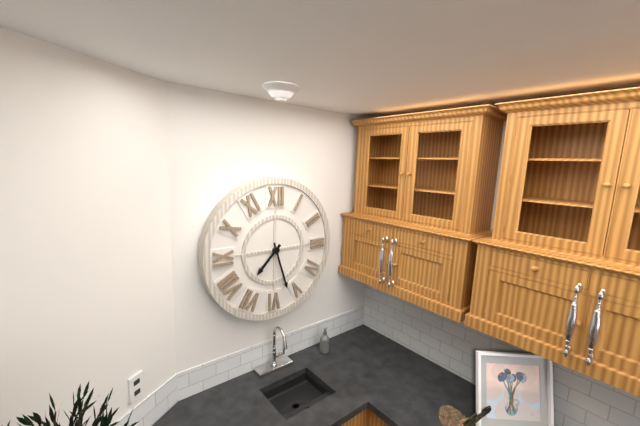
{"hour": 7, "minute": 27}
